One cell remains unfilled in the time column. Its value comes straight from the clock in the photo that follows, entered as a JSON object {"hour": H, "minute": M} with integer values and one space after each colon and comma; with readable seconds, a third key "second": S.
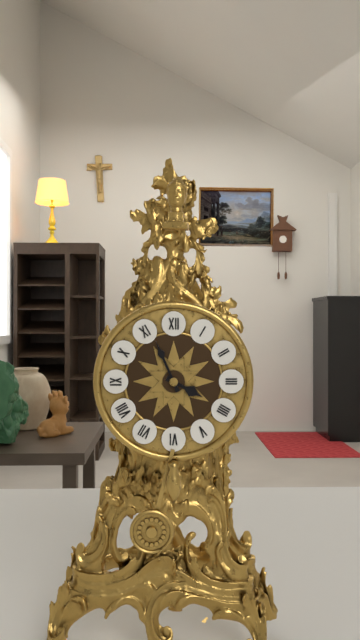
{"hour": 3, "minute": 56}
